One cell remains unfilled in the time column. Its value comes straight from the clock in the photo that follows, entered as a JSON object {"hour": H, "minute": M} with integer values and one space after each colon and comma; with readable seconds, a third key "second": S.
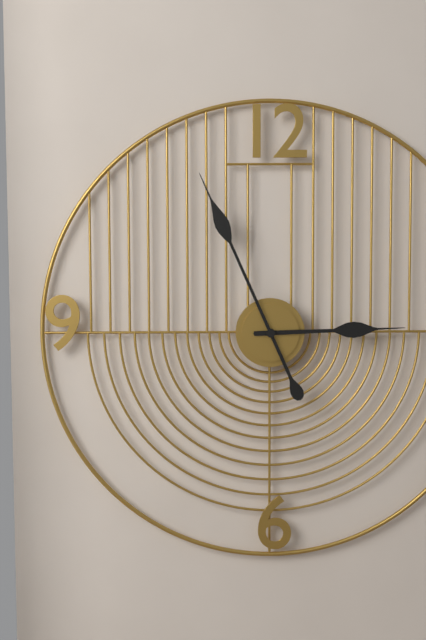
{"hour": 2, "minute": 56}
